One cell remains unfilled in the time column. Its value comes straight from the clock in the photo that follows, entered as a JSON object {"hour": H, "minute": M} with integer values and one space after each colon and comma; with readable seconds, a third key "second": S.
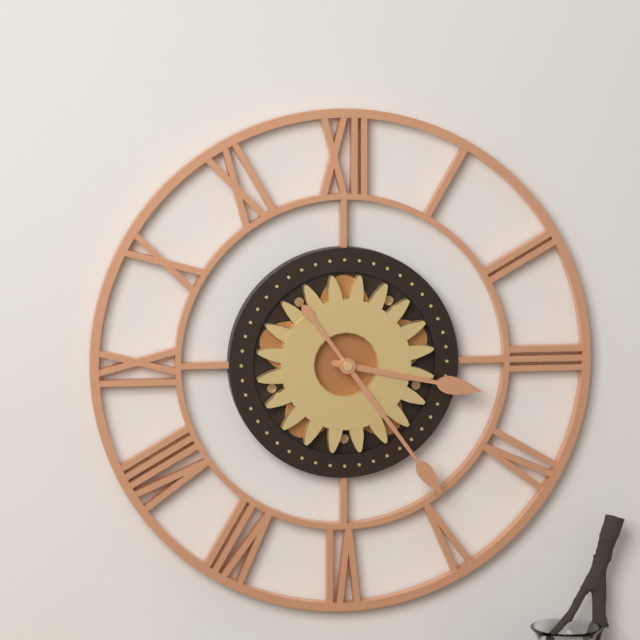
{"hour": 3, "minute": 24}
